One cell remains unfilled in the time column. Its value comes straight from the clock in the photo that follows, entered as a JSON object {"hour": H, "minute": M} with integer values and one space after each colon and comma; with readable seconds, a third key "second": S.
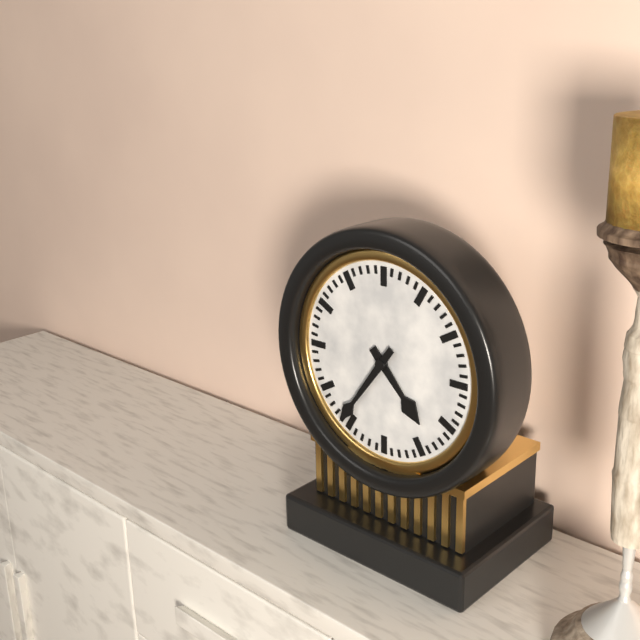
{"hour": 4, "minute": 36}
